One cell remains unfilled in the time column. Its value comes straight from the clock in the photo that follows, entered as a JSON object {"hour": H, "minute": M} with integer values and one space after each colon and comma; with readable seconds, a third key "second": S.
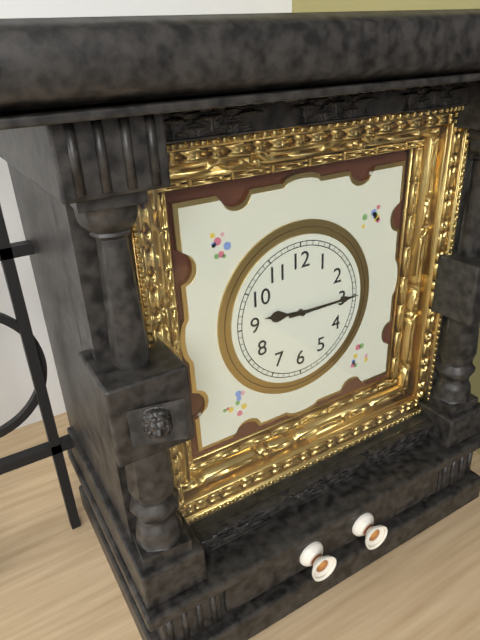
{"hour": 9, "minute": 15}
